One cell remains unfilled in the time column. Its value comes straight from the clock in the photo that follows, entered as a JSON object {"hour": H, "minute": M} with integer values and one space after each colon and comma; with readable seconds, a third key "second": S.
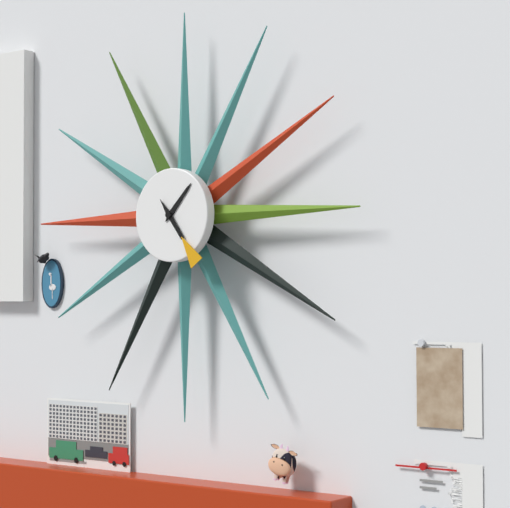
{"hour": 1, "minute": 24}
